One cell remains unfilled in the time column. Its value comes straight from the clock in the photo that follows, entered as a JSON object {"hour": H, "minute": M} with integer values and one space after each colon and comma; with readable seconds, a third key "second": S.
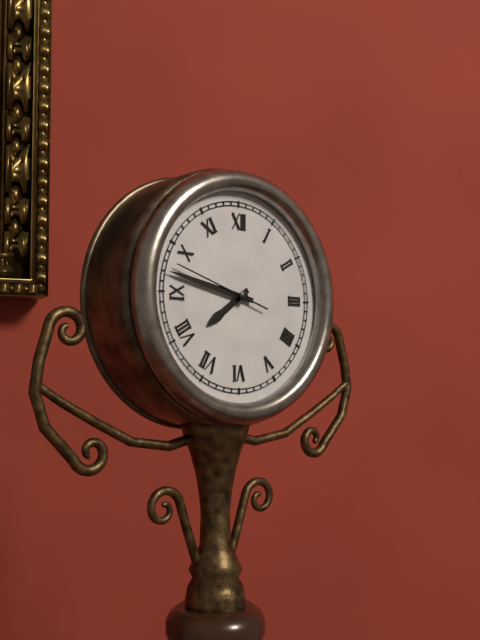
{"hour": 7, "minute": 47, "second": 48}
